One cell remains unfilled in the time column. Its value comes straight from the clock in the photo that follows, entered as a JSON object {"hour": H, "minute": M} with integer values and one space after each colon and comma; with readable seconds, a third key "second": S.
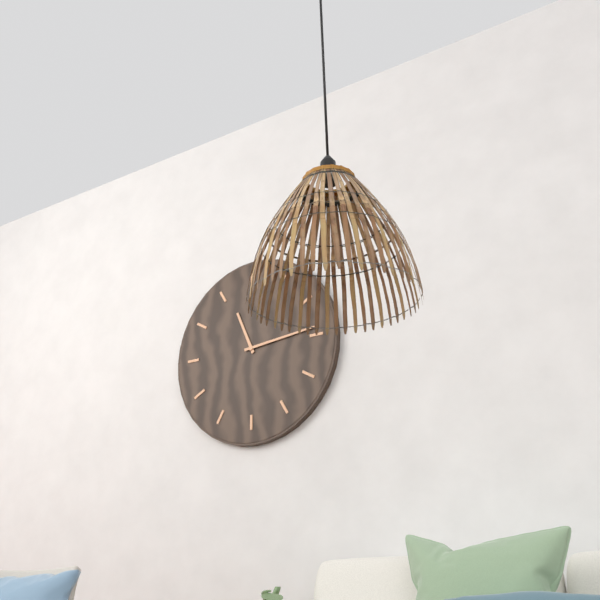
{"hour": 11, "minute": 14}
